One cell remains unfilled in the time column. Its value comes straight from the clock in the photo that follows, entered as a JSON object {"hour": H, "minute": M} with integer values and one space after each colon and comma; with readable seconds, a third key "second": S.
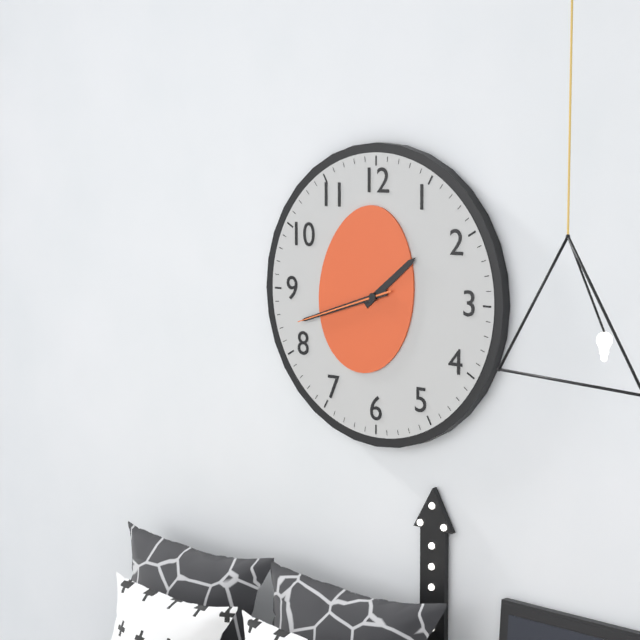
{"hour": 1, "minute": 42, "second": 42}
